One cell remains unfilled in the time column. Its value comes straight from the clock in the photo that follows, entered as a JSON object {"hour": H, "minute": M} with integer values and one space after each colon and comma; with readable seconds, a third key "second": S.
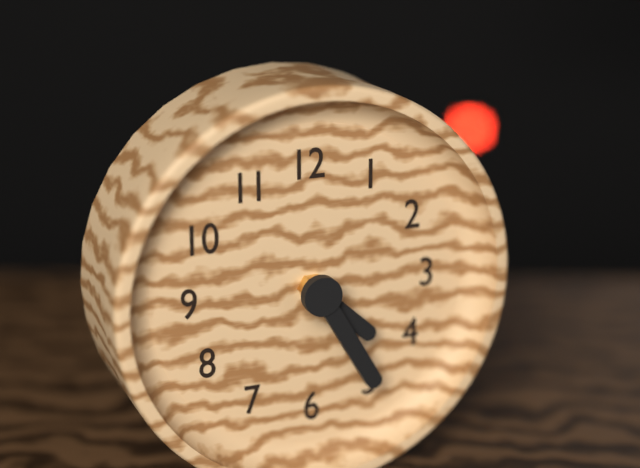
{"hour": 4, "minute": 25}
